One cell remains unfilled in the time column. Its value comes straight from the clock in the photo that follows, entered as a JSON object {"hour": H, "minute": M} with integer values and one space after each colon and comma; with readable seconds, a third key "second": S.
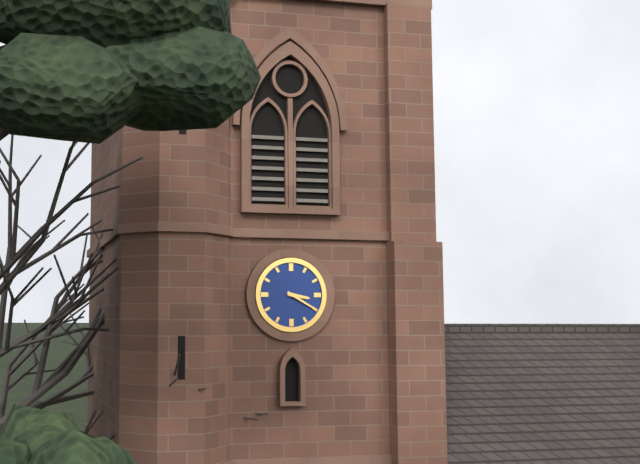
{"hour": 3, "minute": 20}
